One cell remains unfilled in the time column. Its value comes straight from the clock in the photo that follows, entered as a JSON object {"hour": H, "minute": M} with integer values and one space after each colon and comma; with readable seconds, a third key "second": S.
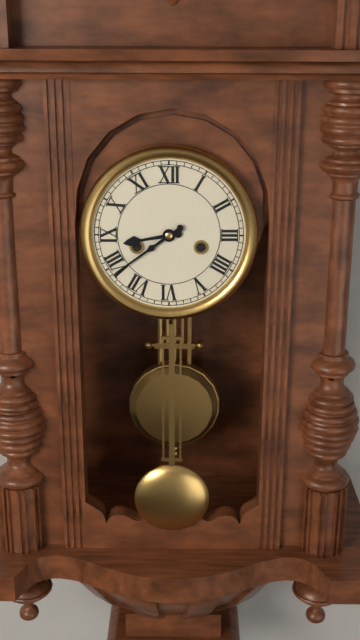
{"hour": 8, "minute": 39}
